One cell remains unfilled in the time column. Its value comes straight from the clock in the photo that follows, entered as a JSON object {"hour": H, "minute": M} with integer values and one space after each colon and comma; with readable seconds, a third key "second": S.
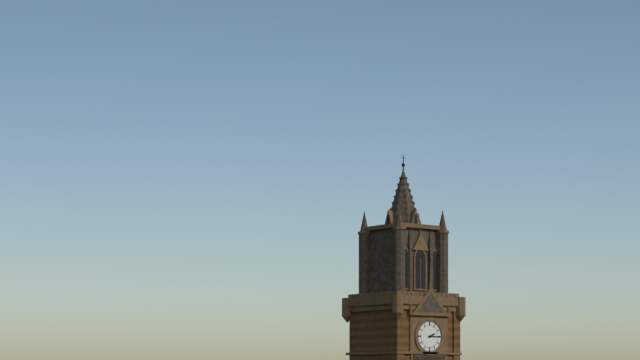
{"hour": 2, "minute": 15}
